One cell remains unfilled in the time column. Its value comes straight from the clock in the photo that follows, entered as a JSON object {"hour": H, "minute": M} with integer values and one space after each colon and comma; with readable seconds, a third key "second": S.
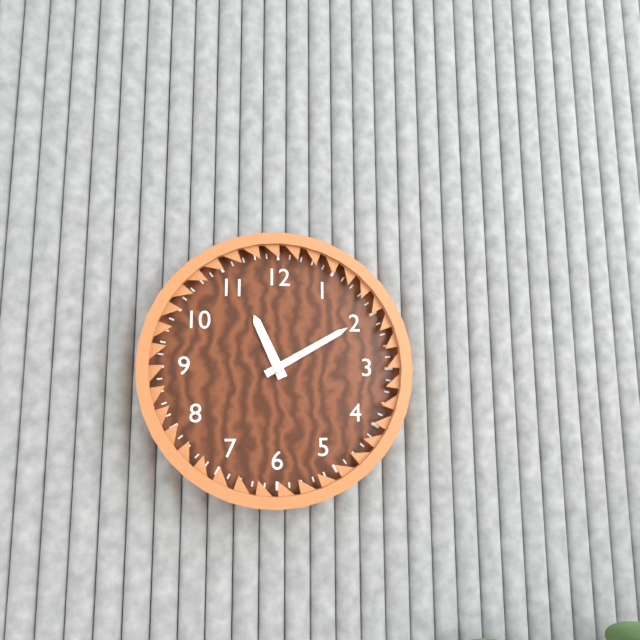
{"hour": 11, "minute": 10}
